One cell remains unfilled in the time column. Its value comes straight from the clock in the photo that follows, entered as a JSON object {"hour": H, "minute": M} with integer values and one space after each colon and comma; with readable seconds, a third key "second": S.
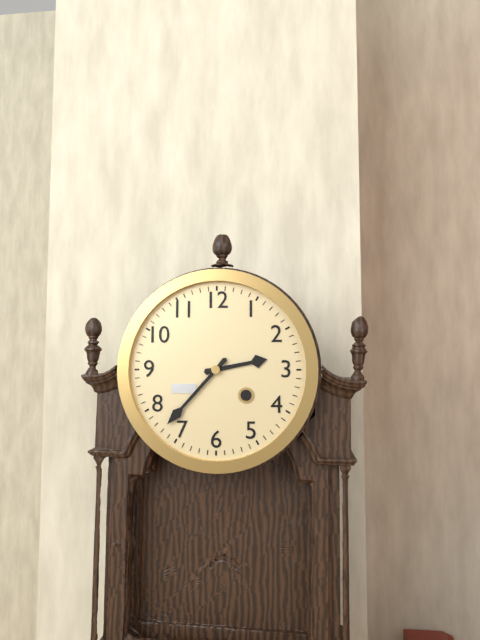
{"hour": 2, "minute": 37}
